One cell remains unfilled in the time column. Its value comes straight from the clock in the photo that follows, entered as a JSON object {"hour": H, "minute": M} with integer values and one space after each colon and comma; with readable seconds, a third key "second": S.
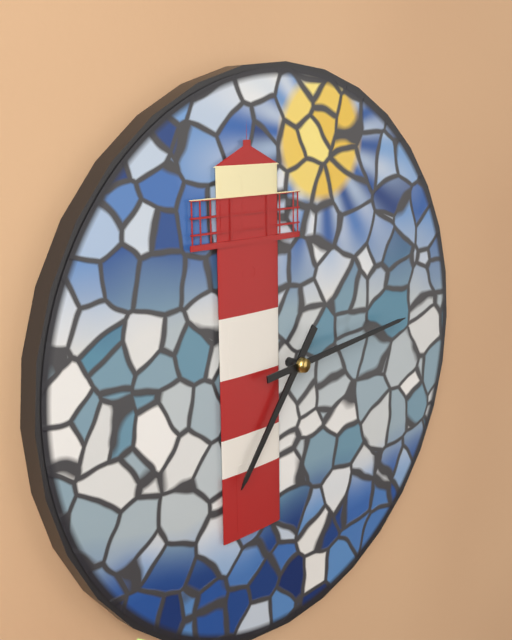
{"hour": 7, "minute": 14}
